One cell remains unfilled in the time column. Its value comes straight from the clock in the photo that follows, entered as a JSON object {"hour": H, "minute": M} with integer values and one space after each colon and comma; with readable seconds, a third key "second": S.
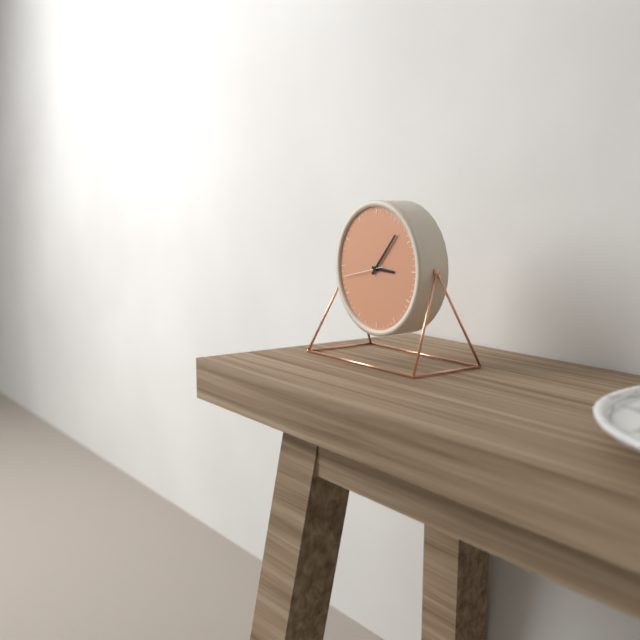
{"hour": 3, "minute": 7}
